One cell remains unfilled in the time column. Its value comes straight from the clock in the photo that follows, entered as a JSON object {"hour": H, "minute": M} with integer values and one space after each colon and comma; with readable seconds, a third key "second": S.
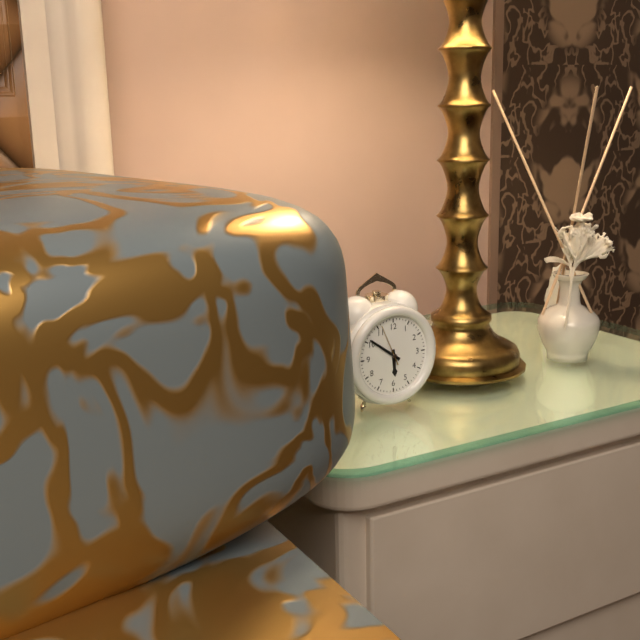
{"hour": 5, "minute": 51}
